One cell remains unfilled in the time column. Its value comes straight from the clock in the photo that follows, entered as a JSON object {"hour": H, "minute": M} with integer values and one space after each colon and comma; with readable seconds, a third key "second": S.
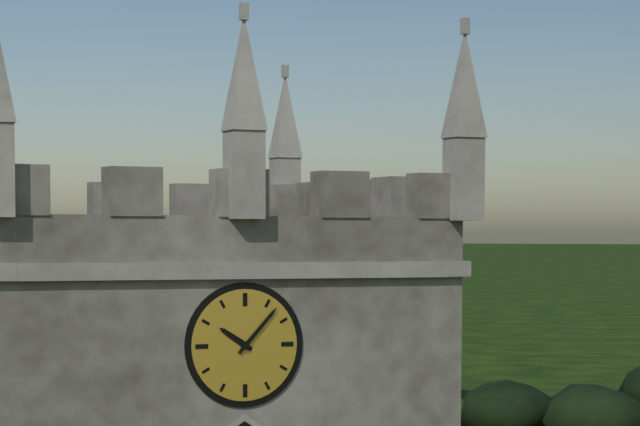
{"hour": 10, "minute": 7}
